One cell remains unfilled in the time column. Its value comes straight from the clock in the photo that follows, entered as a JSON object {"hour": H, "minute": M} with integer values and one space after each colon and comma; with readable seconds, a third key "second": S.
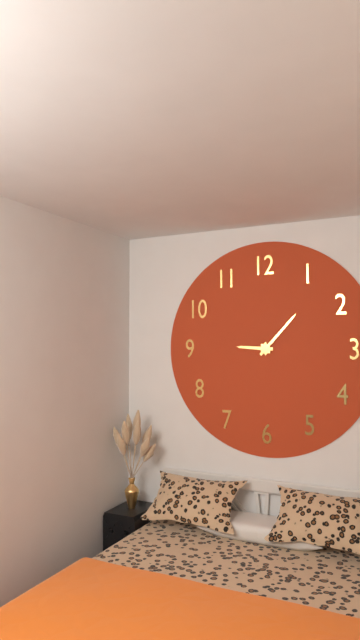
{"hour": 9, "minute": 7}
